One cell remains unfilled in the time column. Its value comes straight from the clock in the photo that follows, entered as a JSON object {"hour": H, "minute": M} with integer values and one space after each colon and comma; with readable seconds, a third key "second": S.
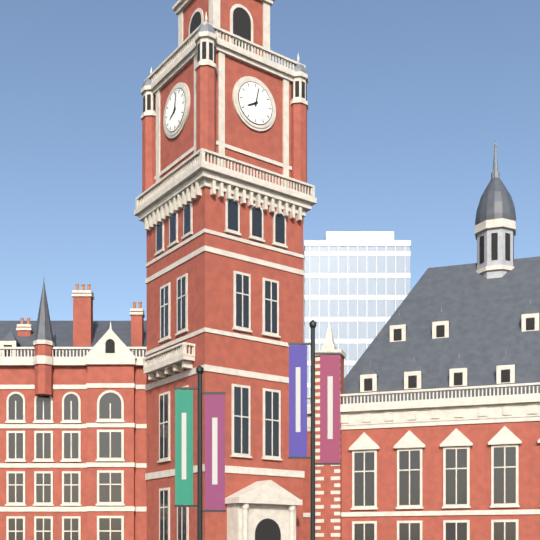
{"hour": 8, "minute": 2}
